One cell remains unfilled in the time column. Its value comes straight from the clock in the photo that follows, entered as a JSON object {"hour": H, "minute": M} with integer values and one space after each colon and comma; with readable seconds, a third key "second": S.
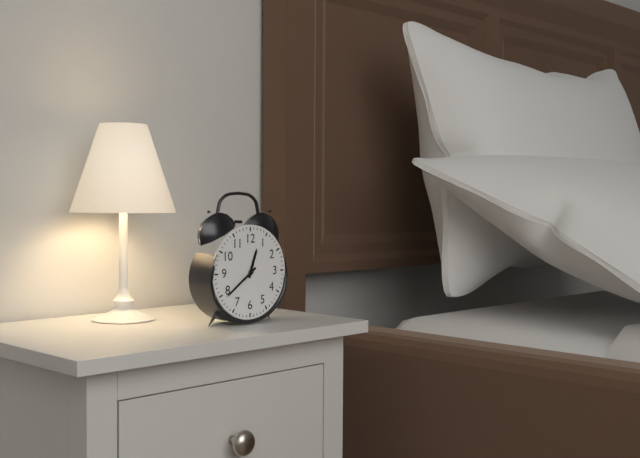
{"hour": 12, "minute": 39}
